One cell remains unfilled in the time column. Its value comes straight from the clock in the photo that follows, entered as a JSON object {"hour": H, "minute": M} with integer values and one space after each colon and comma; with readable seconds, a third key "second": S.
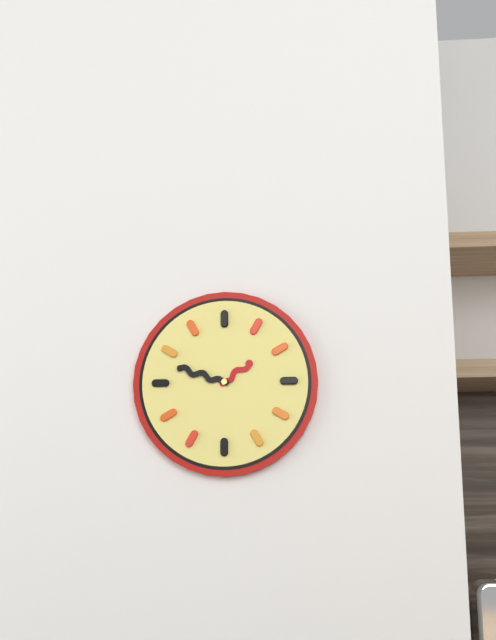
{"hour": 1, "minute": 48}
